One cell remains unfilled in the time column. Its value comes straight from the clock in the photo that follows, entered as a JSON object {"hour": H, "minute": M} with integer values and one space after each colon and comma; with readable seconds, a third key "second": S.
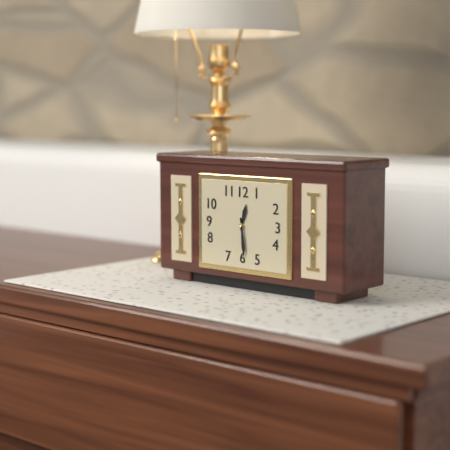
{"hour": 12, "minute": 29}
